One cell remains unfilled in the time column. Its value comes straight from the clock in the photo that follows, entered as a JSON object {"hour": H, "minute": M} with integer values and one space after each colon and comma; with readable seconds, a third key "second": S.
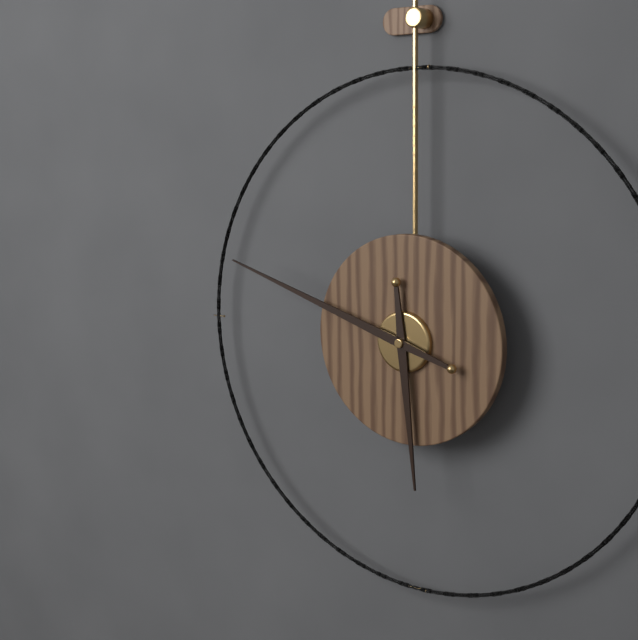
{"hour": 5, "minute": 48}
